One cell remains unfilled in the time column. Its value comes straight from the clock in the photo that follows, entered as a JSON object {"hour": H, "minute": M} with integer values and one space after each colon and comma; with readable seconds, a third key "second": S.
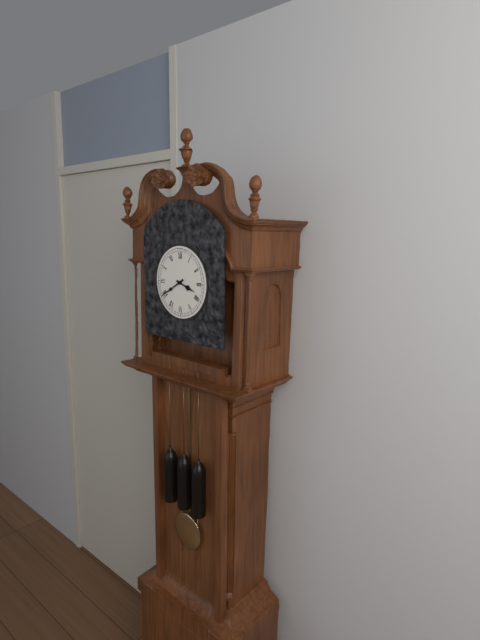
{"hour": 3, "minute": 40}
